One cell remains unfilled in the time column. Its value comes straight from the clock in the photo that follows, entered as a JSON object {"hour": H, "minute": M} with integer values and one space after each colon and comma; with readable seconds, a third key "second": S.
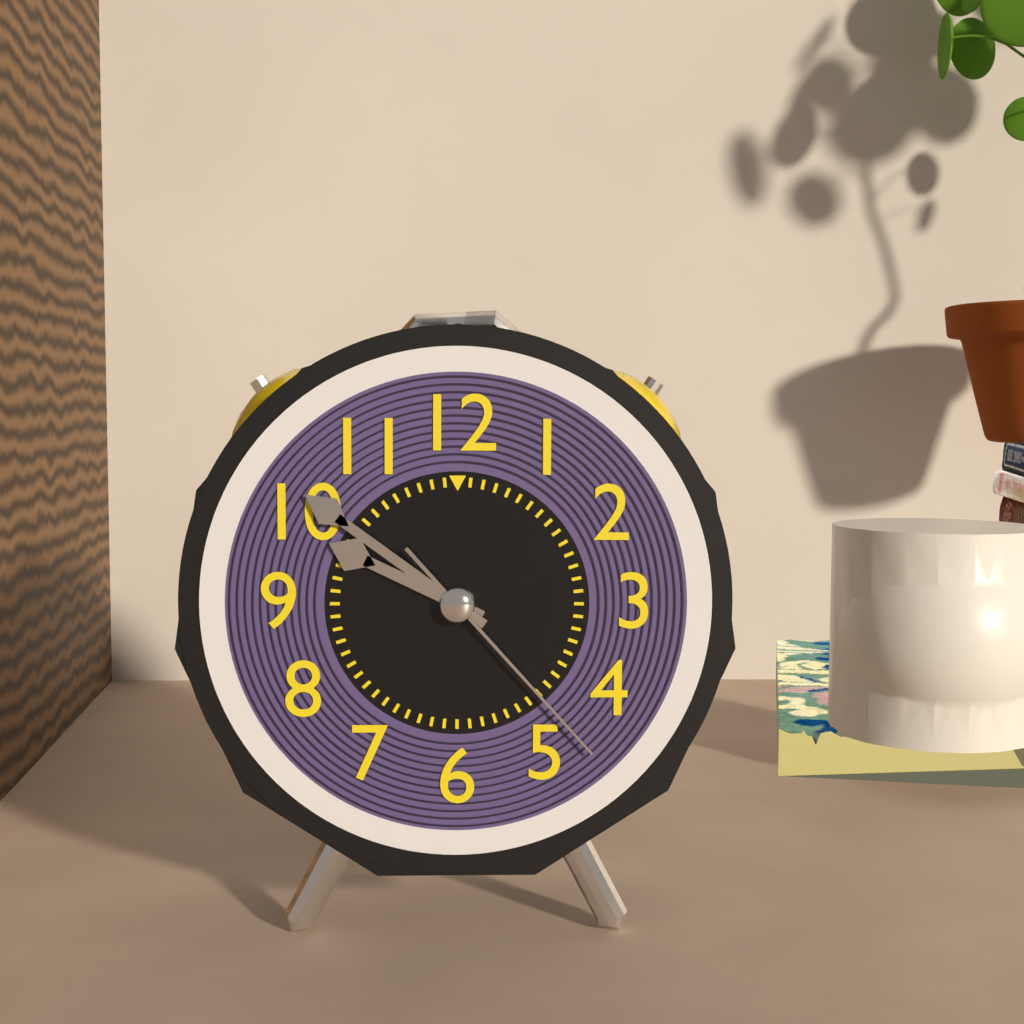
{"hour": 9, "minute": 51, "second": 23}
